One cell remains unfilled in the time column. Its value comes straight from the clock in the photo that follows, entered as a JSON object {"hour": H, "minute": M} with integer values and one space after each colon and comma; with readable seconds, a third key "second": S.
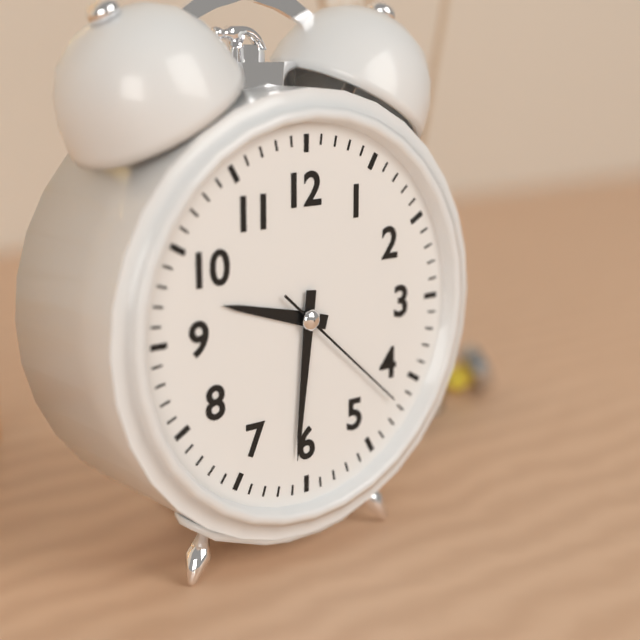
{"hour": 9, "minute": 31, "second": 22}
